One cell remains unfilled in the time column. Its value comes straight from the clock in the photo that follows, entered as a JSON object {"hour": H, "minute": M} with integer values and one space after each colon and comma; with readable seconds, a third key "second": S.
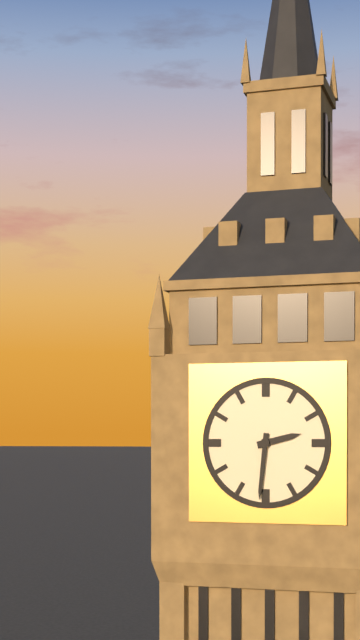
{"hour": 2, "minute": 31}
